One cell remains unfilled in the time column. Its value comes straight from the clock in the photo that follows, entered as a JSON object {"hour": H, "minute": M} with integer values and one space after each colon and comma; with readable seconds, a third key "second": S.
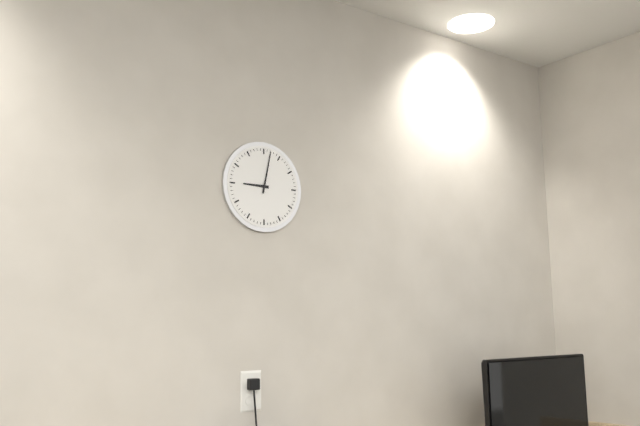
{"hour": 9, "minute": 2}
